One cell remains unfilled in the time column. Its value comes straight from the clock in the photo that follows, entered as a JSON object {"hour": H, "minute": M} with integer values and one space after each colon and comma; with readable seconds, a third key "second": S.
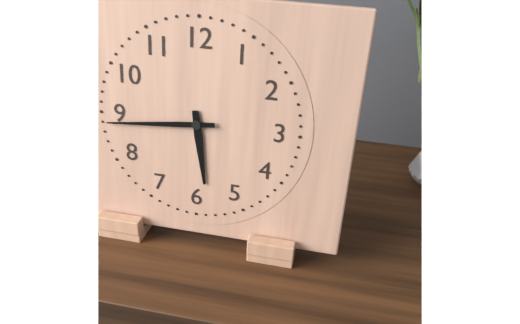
{"hour": 5, "minute": 44}
